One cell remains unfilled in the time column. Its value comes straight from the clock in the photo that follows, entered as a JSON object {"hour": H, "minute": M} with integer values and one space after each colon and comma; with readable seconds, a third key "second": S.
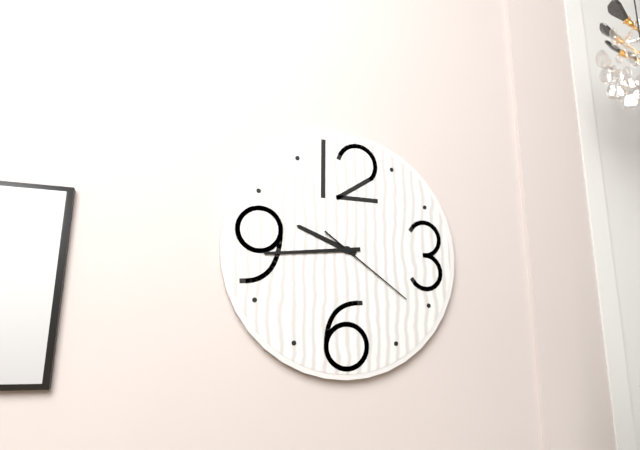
{"hour": 9, "minute": 44, "second": 21}
